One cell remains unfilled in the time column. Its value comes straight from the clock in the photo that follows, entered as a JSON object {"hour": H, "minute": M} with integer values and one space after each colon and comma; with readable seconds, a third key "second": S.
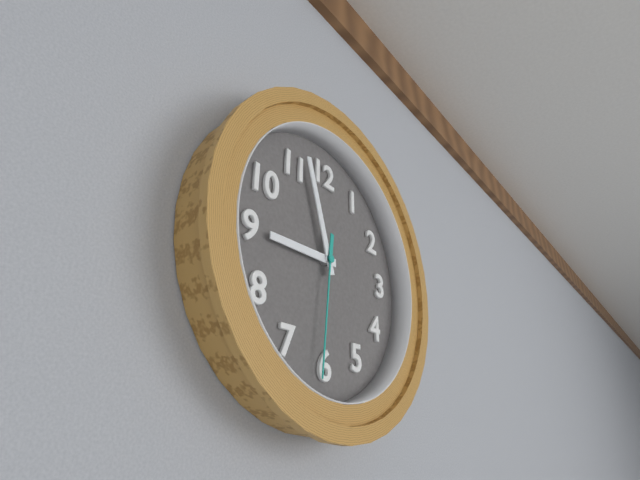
{"hour": 8, "minute": 57, "second": 31}
